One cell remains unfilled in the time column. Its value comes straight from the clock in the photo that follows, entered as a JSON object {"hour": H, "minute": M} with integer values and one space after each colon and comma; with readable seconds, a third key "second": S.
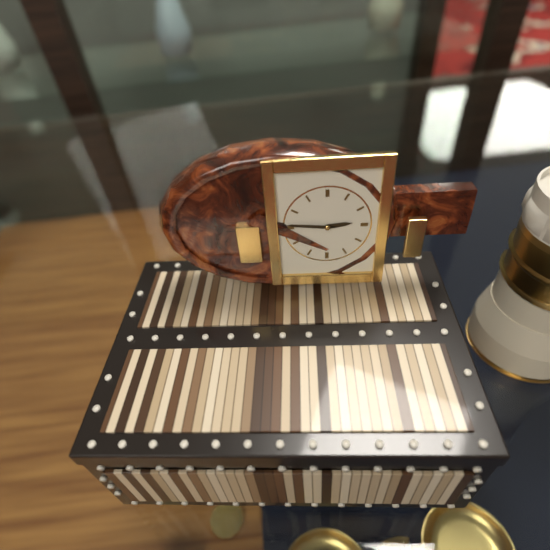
{"hour": 2, "minute": 46}
